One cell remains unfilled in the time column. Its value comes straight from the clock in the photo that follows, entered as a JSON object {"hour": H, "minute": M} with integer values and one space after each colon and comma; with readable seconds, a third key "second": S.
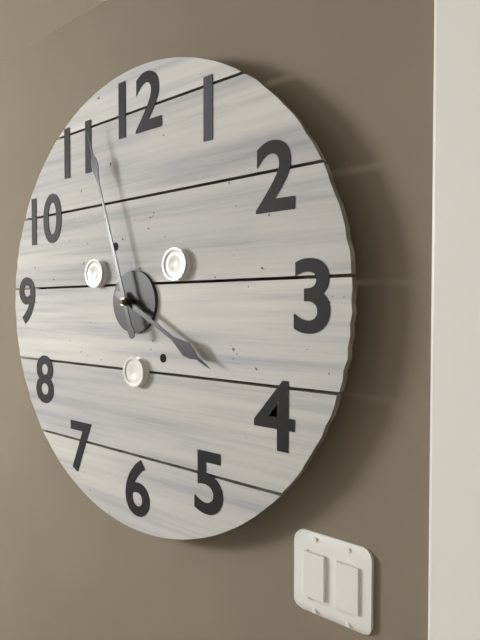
{"hour": 3, "minute": 57}
